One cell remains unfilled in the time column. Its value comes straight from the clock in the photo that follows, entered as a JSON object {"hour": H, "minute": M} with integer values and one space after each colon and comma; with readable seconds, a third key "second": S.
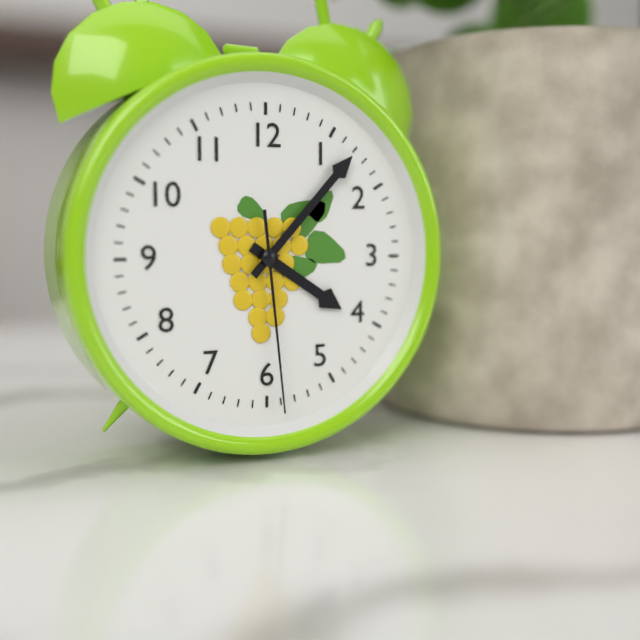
{"hour": 4, "minute": 7, "second": 29}
